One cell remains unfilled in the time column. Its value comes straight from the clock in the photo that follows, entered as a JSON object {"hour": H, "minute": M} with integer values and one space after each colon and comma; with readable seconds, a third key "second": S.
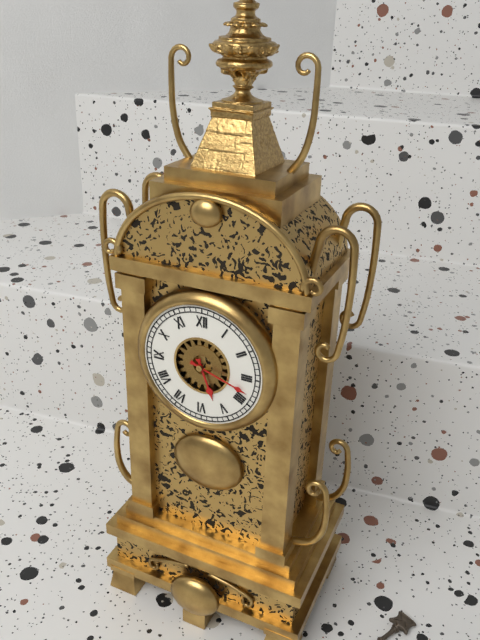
{"hour": 5, "minute": 18}
